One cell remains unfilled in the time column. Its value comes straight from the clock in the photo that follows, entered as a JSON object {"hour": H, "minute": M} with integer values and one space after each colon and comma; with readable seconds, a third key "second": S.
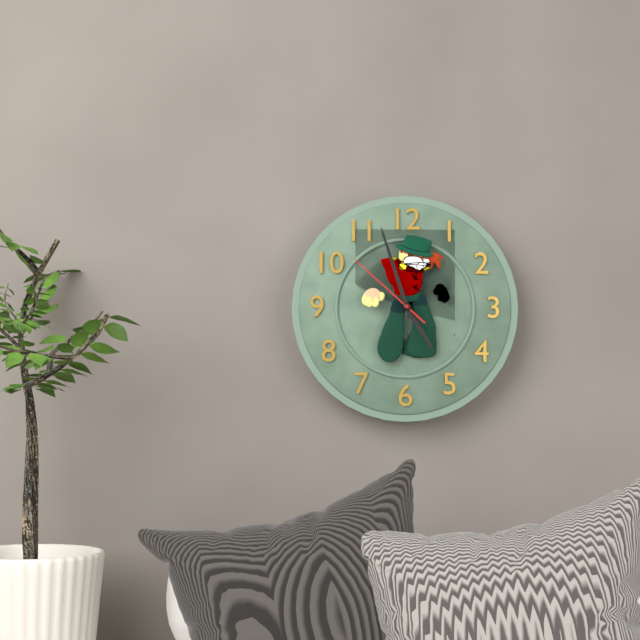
{"hour": 4, "minute": 57, "second": 52}
